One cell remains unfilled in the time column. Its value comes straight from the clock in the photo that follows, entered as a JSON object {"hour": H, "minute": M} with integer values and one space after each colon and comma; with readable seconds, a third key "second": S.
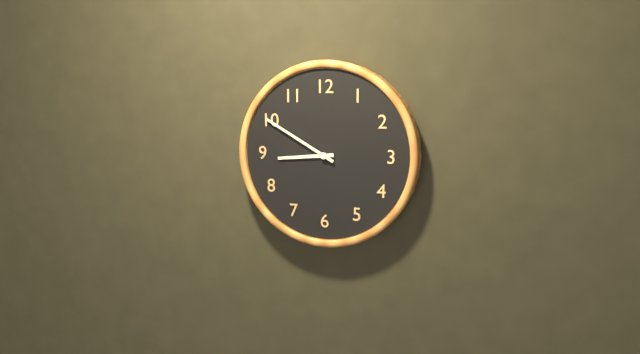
{"hour": 8, "minute": 50}
